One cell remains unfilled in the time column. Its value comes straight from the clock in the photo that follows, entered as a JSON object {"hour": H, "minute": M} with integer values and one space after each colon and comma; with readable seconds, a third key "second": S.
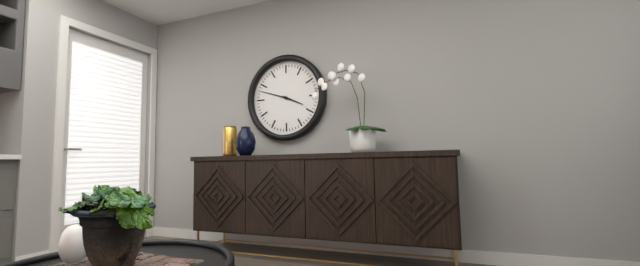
{"hour": 3, "minute": 48}
